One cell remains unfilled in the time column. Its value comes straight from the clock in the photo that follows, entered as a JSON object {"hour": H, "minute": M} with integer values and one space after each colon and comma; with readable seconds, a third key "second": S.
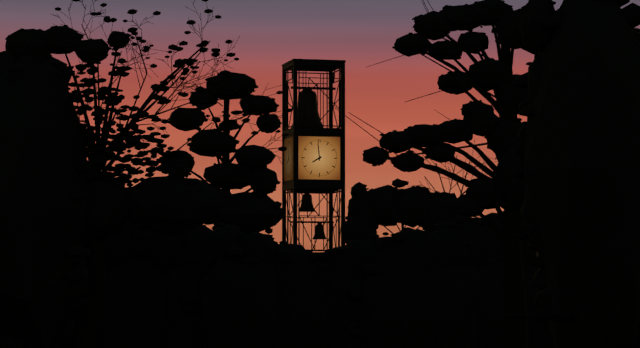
{"hour": 7, "minute": 59}
